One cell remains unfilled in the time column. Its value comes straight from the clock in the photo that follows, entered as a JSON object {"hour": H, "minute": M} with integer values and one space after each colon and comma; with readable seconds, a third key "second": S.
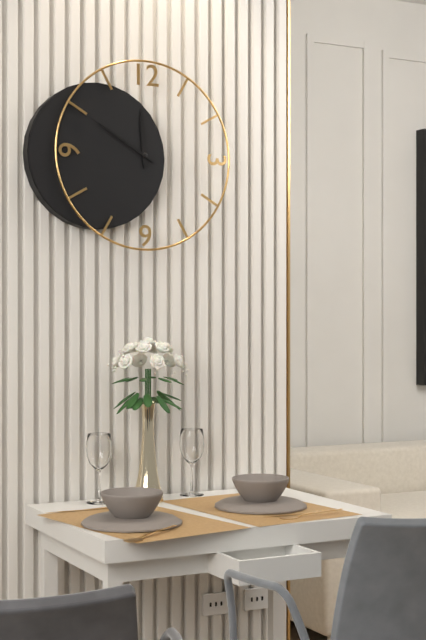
{"hour": 11, "minute": 50}
